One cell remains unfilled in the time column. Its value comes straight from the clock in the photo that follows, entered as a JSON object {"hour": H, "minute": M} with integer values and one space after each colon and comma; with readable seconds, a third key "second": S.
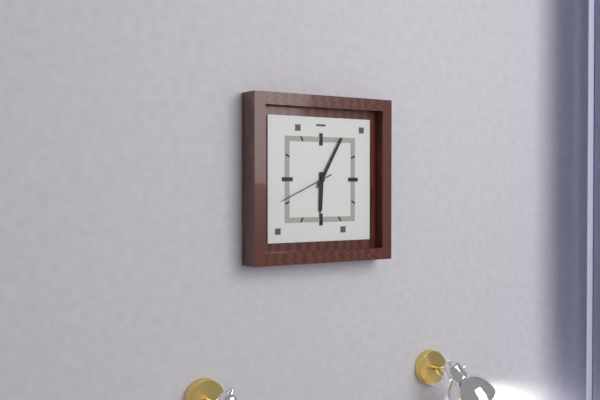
{"hour": 6, "minute": 5, "second": 41}
